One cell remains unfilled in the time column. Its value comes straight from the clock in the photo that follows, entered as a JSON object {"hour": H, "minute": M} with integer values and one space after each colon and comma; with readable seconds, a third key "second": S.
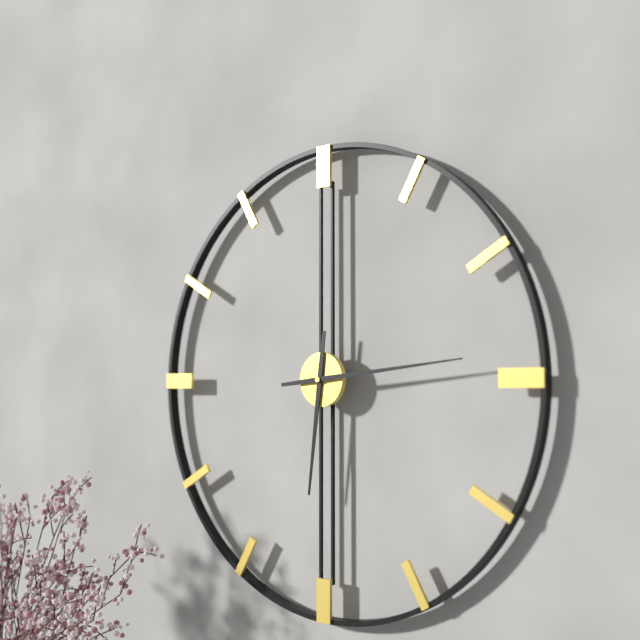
{"hour": 6, "minute": 14}
